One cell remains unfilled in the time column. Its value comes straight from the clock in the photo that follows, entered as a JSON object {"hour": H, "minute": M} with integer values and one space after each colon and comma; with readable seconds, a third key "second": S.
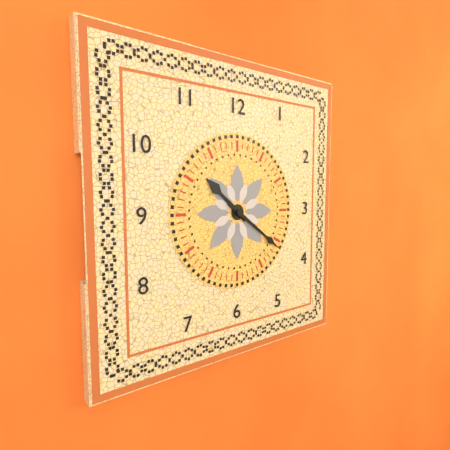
{"hour": 10, "minute": 21}
